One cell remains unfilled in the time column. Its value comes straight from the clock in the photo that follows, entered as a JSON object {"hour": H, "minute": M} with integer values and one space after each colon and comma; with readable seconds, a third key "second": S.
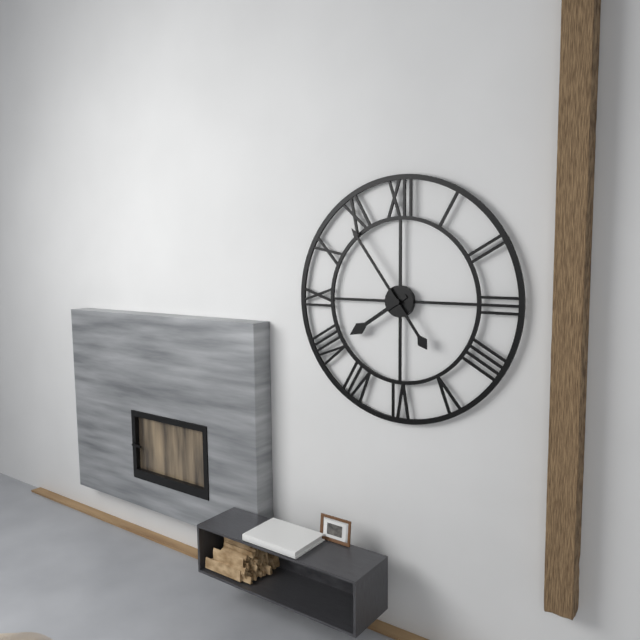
{"hour": 7, "minute": 54}
